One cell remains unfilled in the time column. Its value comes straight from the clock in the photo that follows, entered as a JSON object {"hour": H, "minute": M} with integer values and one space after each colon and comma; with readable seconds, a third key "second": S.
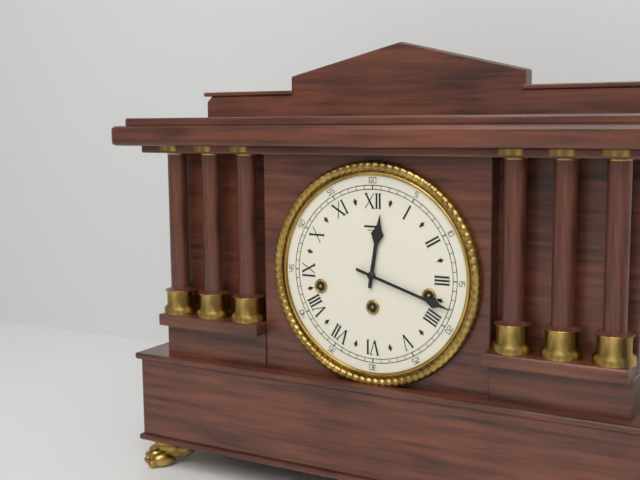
{"hour": 12, "minute": 18}
